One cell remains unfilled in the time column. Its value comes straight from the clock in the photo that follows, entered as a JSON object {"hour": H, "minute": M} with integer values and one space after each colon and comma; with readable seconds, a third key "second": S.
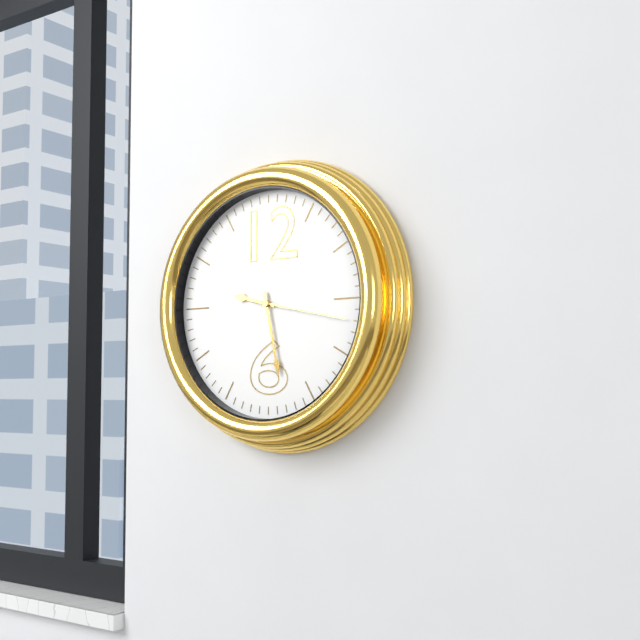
{"hour": 9, "minute": 28, "second": 17}
